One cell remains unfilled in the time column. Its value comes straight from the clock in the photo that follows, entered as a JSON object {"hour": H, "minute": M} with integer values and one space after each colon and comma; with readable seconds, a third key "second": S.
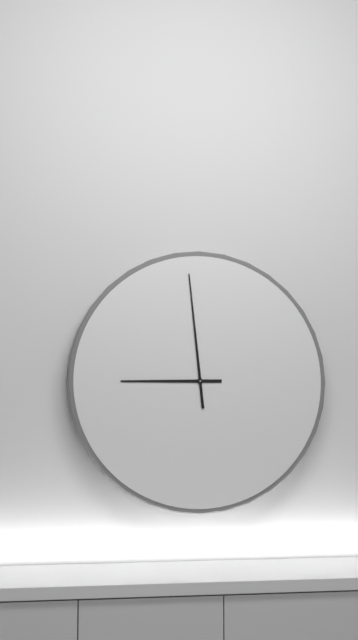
{"hour": 8, "minute": 59}
